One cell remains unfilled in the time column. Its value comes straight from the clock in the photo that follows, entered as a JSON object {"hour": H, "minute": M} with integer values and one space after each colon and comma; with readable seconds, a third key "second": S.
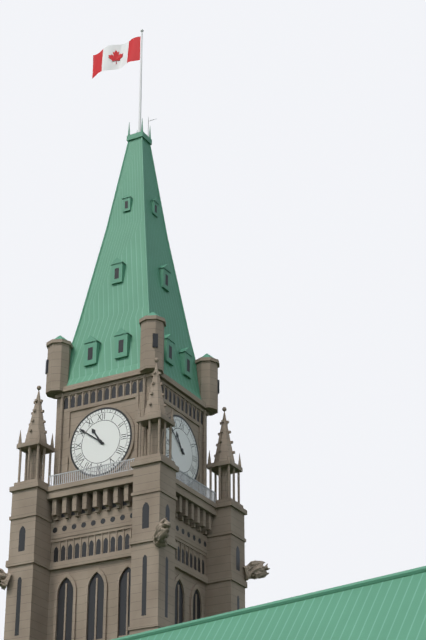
{"hour": 10, "minute": 51}
